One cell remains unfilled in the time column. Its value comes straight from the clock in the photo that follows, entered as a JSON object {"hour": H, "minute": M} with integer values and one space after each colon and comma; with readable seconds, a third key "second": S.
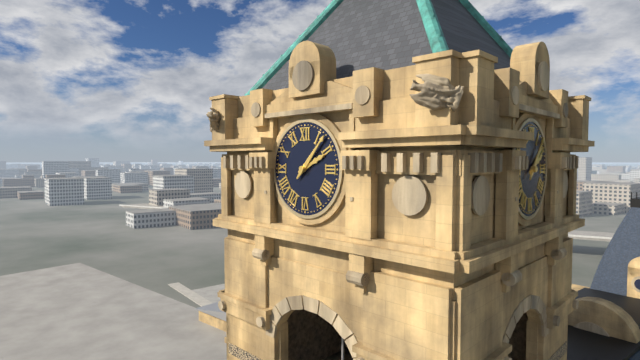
{"hour": 2, "minute": 7}
